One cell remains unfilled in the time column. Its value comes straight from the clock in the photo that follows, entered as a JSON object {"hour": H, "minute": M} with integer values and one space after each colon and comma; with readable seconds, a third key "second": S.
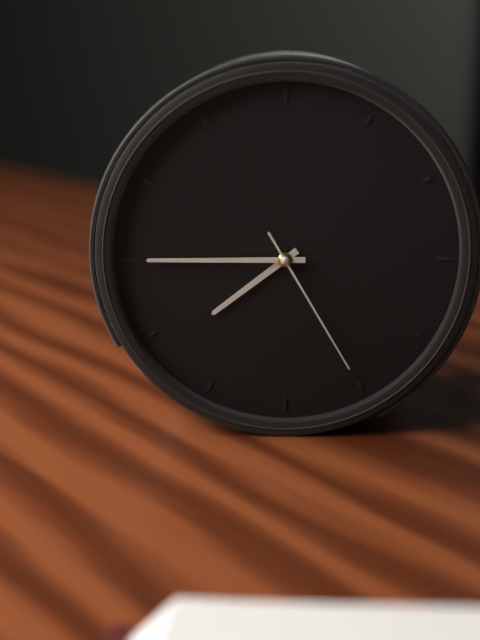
{"hour": 7, "minute": 45, "second": 25}
